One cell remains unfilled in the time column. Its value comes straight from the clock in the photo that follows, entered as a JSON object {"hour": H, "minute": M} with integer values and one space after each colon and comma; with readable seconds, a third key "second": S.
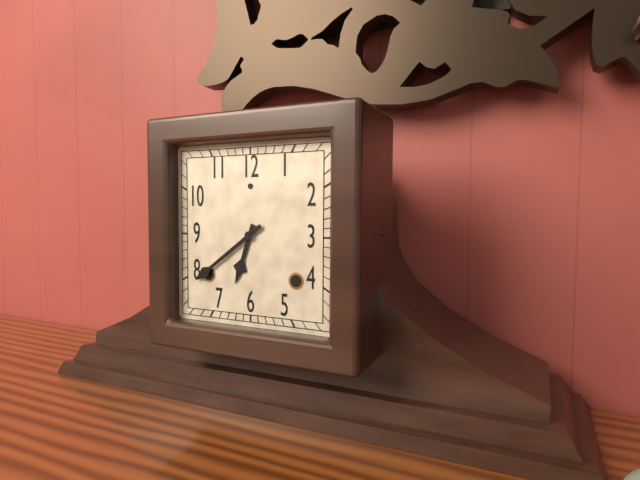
{"hour": 6, "minute": 39}
